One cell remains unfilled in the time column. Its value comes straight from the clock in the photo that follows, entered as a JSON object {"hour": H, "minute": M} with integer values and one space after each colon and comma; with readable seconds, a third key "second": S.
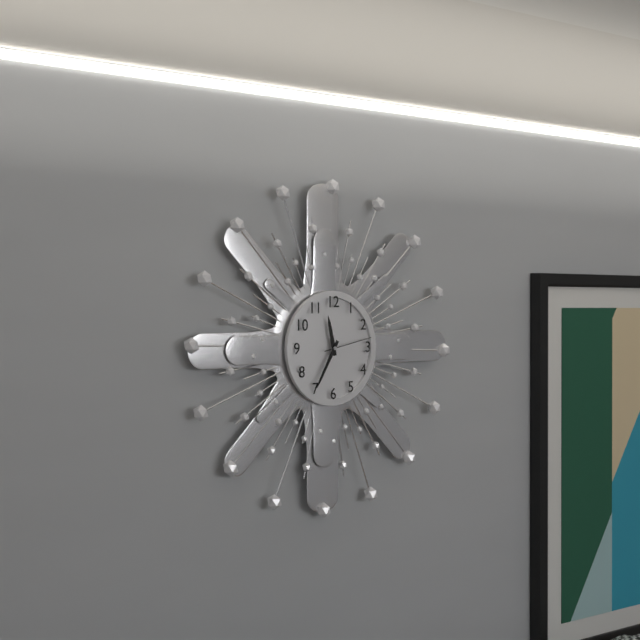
{"hour": 11, "minute": 35}
